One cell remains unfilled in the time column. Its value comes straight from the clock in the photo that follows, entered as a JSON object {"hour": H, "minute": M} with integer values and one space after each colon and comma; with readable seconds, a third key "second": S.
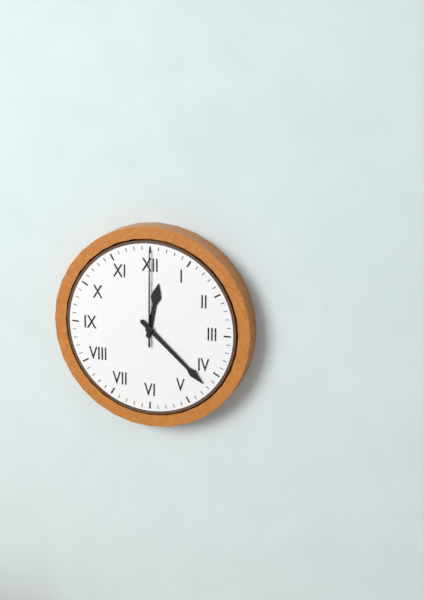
{"hour": 12, "minute": 22, "second": 0}
